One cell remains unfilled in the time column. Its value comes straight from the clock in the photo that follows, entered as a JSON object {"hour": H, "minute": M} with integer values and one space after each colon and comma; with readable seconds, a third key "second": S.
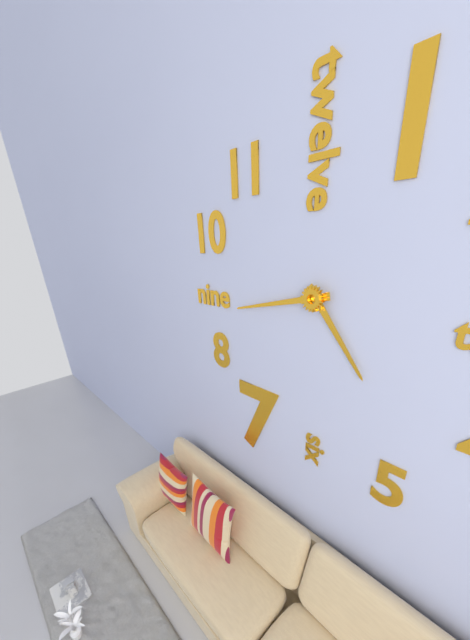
{"hour": 4, "minute": 43}
